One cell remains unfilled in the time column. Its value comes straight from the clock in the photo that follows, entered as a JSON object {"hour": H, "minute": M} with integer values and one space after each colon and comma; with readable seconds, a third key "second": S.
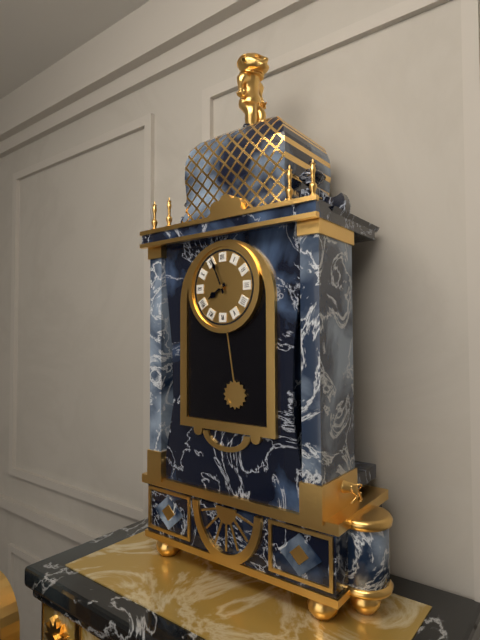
{"hour": 7, "minute": 56}
